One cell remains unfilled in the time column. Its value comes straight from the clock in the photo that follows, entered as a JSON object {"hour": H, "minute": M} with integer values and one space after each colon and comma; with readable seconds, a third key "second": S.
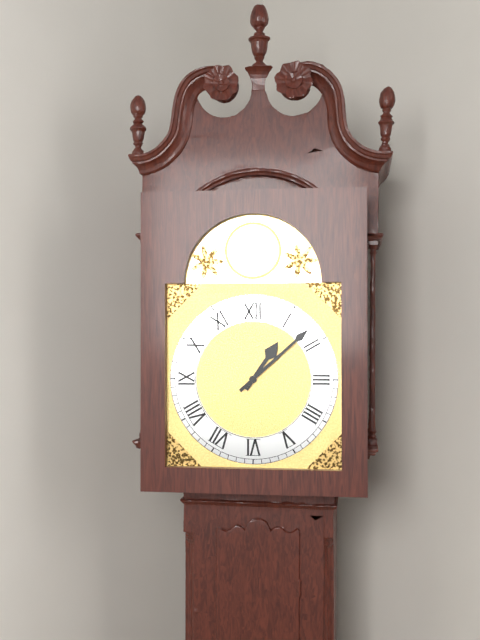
{"hour": 1, "minute": 8}
